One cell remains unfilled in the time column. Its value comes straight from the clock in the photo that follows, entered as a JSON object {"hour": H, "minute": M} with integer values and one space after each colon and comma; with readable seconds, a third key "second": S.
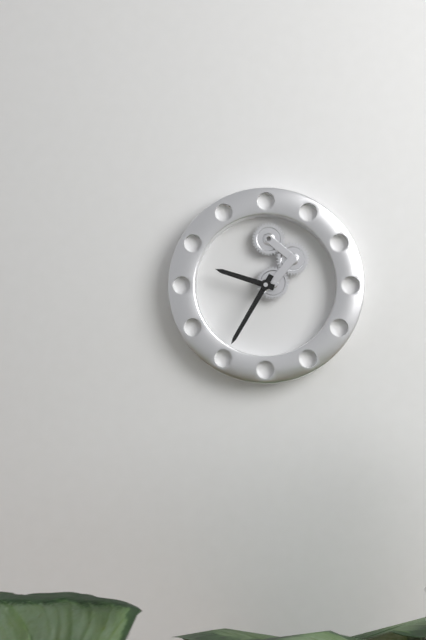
{"hour": 9, "minute": 35}
